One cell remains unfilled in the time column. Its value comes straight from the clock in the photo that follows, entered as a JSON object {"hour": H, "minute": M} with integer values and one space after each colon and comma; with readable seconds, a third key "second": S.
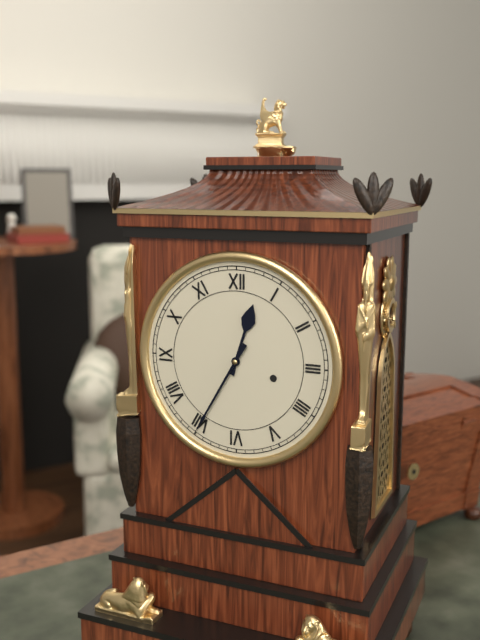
{"hour": 12, "minute": 35}
